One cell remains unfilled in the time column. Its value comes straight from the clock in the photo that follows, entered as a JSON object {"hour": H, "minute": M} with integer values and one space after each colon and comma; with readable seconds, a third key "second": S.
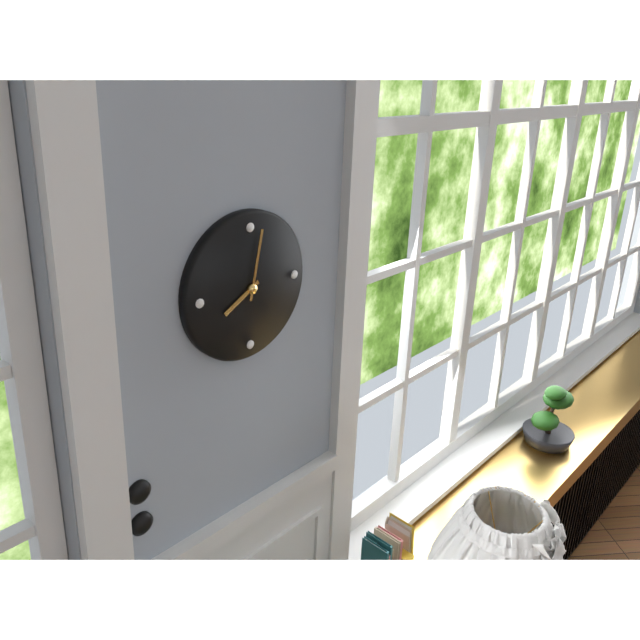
{"hour": 8, "minute": 2}
